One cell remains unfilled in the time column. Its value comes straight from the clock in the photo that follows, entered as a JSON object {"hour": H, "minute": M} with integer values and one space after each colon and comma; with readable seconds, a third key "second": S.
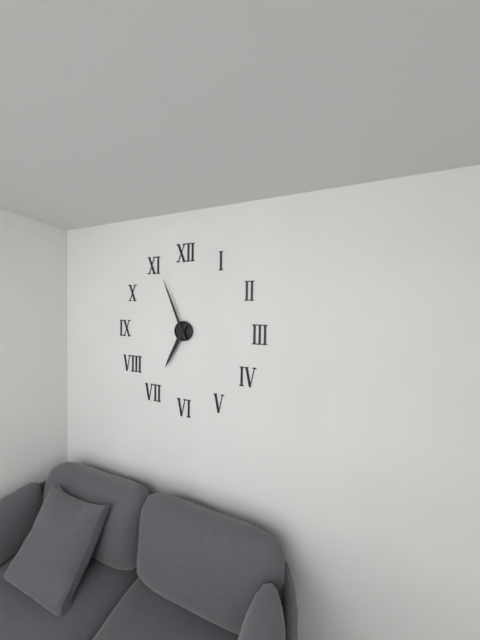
{"hour": 6, "minute": 56}
